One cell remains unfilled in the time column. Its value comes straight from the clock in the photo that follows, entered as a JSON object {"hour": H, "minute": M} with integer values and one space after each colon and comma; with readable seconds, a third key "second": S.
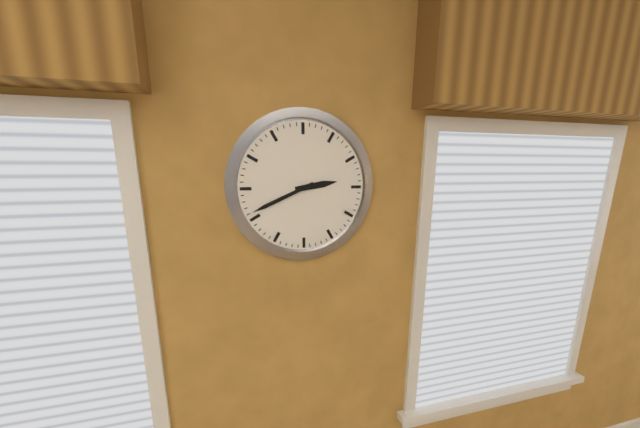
{"hour": 2, "minute": 41}
